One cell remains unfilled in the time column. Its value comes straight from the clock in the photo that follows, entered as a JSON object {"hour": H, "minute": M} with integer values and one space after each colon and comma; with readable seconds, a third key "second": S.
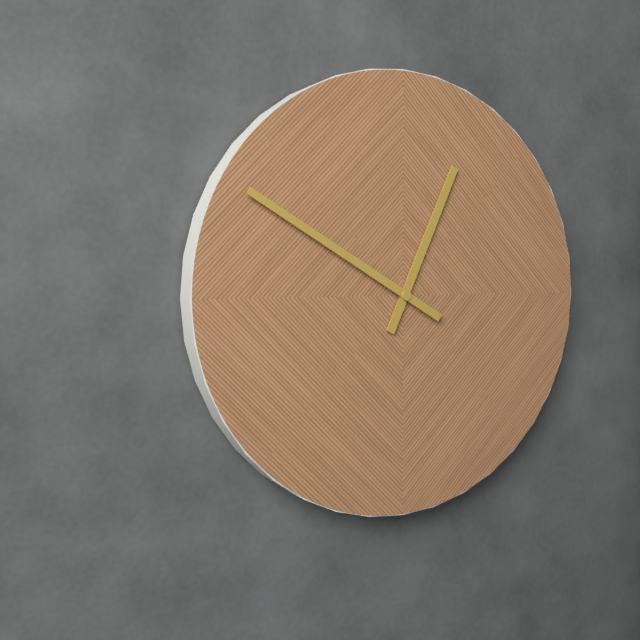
{"hour": 12, "minute": 50}
